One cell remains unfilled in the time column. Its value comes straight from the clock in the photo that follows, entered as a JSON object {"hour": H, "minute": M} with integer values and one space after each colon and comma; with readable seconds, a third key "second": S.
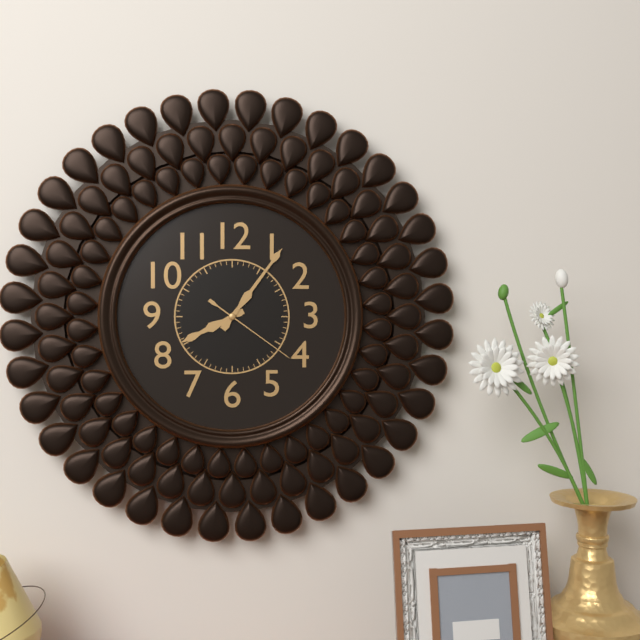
{"hour": 8, "minute": 6, "second": 21}
